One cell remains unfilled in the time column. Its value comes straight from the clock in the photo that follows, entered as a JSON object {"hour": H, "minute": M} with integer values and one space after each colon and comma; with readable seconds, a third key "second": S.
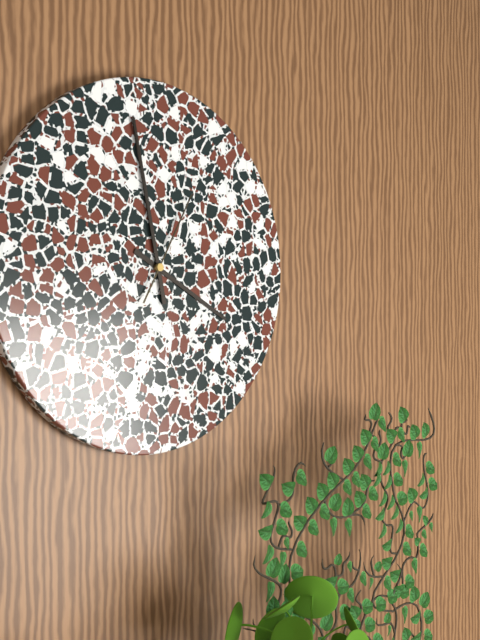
{"hour": 3, "minute": 58, "second": 5}
